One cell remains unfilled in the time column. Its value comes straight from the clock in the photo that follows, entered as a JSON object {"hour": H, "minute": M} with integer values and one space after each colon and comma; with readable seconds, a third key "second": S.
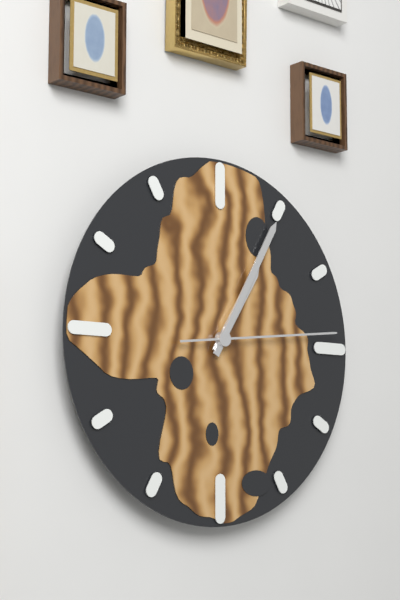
{"hour": 1, "minute": 5, "second": 14}
